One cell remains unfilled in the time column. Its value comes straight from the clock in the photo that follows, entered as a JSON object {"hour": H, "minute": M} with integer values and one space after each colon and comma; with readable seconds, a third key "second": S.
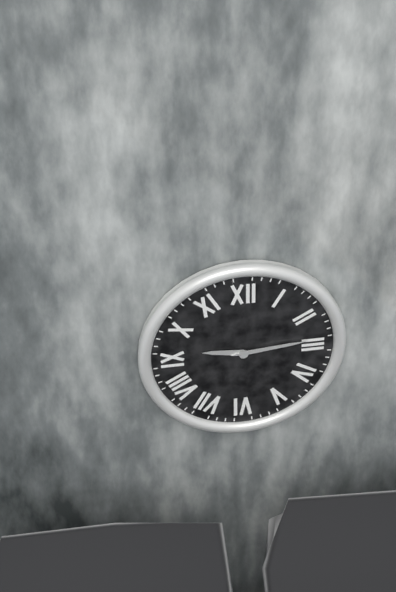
{"hour": 9, "minute": 14}
